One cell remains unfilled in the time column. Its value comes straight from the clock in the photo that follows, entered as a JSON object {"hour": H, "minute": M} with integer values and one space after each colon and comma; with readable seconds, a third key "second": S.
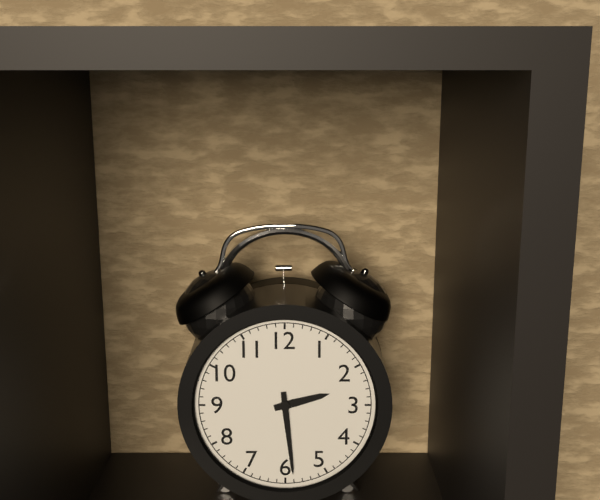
{"hour": 2, "minute": 29}
